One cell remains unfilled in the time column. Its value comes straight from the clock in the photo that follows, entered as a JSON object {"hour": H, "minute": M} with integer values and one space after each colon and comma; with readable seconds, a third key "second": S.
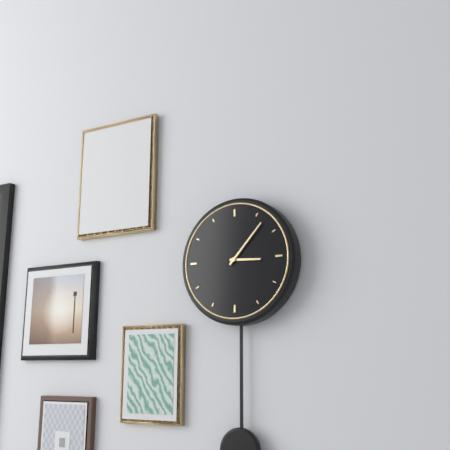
{"hour": 3, "minute": 7}
